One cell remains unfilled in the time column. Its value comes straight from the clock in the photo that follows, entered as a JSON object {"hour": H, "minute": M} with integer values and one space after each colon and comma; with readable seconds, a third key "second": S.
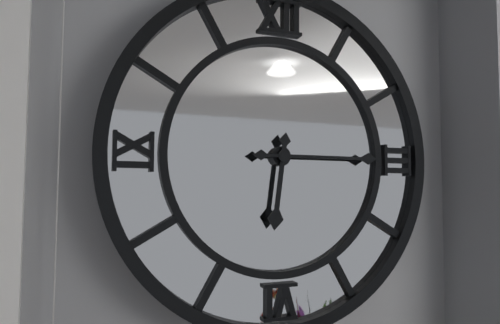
{"hour": 6, "minute": 15}
